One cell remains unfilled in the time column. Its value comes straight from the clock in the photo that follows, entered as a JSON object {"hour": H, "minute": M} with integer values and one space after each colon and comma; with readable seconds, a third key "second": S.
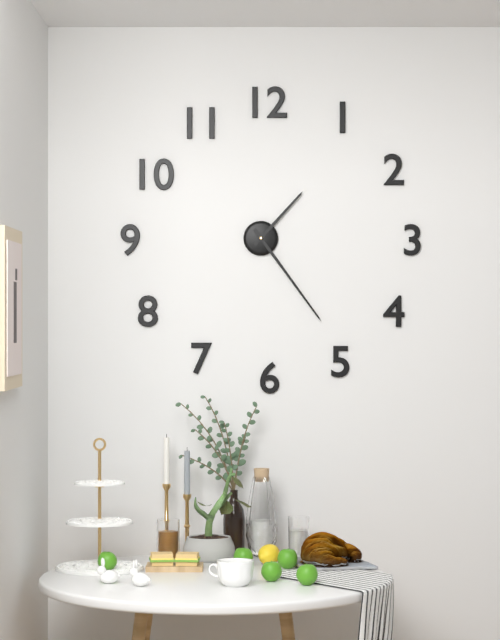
{"hour": 1, "minute": 24}
